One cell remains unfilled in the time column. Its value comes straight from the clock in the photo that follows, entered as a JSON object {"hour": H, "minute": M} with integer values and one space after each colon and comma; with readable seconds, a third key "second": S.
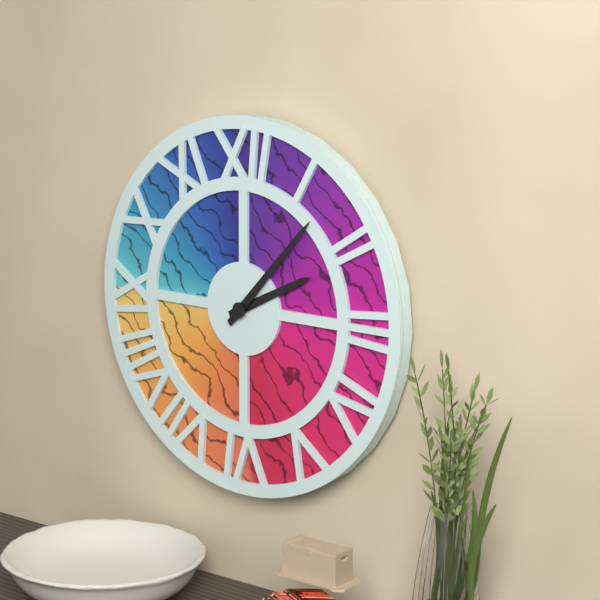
{"hour": 2, "minute": 7}
